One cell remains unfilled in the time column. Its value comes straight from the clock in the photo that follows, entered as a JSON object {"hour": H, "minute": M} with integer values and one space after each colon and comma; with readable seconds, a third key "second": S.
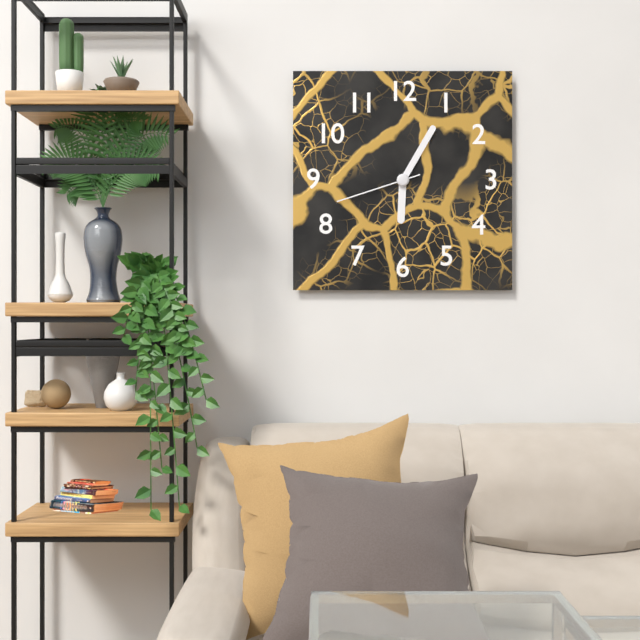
{"hour": 6, "minute": 5, "second": 42}
